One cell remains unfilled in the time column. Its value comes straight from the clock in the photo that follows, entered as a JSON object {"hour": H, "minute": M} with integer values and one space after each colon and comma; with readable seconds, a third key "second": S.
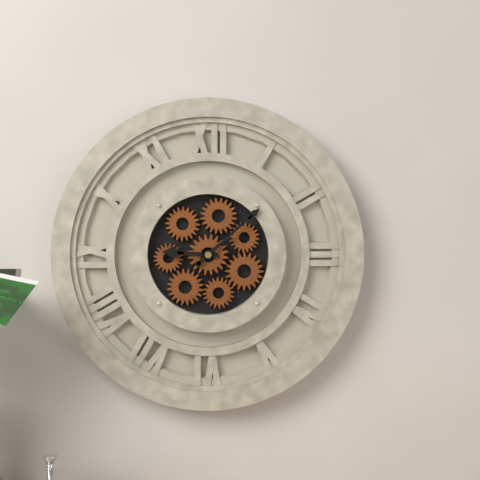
{"hour": 9, "minute": 8}
